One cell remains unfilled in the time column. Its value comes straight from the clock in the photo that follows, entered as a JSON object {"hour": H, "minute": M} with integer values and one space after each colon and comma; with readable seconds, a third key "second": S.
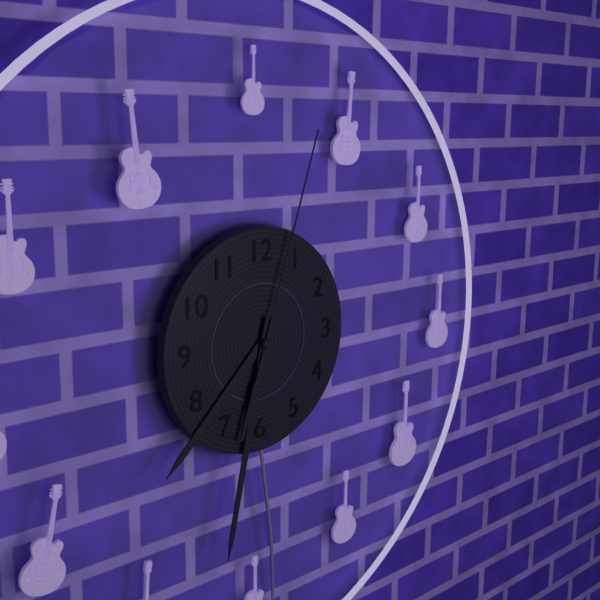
{"hour": 7, "minute": 32, "second": 3}
